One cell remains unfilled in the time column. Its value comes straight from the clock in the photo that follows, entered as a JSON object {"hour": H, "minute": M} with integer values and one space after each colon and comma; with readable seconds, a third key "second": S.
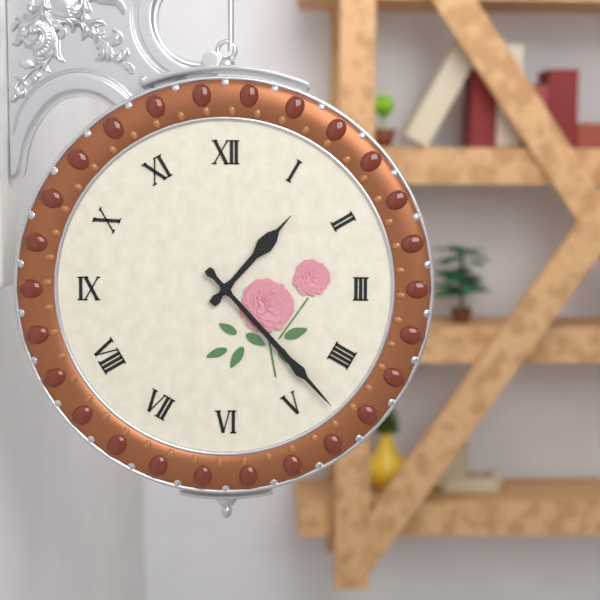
{"hour": 1, "minute": 23}
